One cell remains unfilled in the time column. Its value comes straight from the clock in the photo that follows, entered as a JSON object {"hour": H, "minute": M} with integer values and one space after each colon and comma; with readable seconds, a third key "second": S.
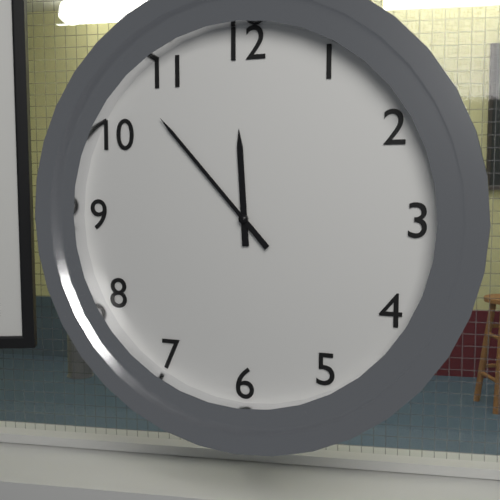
{"hour": 11, "minute": 53}
